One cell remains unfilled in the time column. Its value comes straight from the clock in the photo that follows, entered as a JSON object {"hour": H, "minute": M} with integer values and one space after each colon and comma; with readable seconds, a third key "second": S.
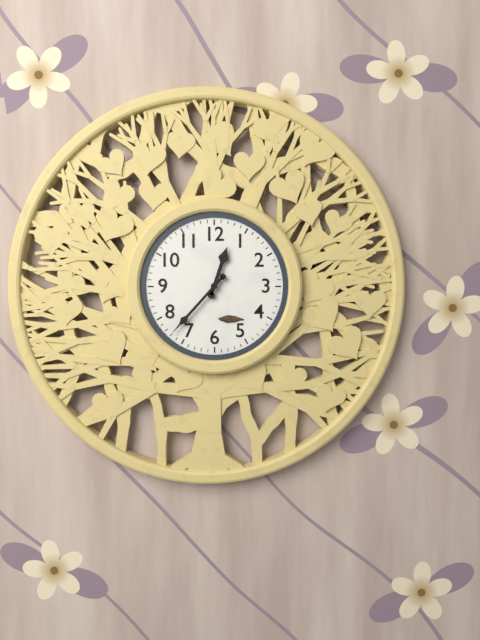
{"hour": 12, "minute": 37}
